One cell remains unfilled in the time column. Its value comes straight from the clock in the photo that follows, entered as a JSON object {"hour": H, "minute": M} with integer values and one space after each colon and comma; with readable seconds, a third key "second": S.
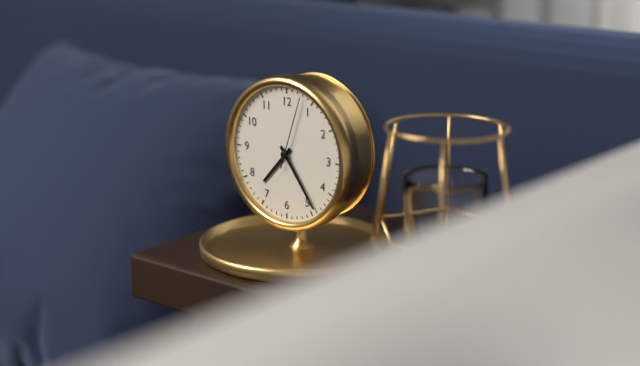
{"hour": 7, "minute": 24, "second": 3}
